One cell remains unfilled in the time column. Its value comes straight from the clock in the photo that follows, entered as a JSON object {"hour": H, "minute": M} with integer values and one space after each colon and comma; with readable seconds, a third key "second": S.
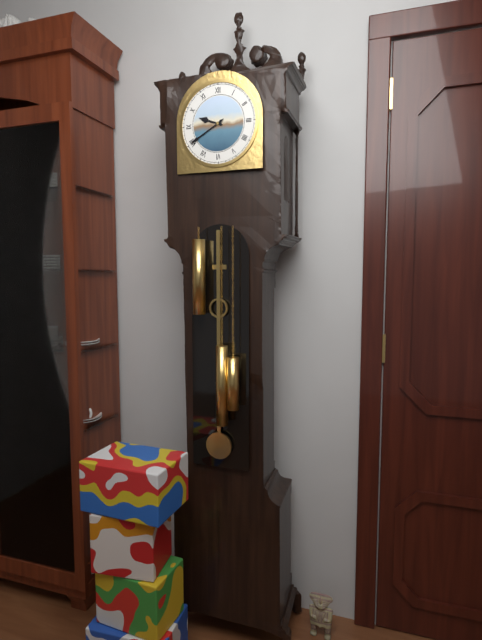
{"hour": 9, "minute": 40}
